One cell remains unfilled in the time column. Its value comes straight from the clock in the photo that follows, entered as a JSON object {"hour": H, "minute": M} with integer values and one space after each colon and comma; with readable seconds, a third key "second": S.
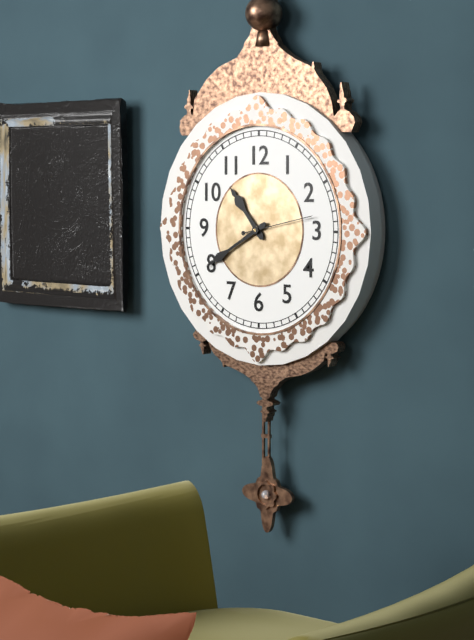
{"hour": 10, "minute": 40, "second": 13}
